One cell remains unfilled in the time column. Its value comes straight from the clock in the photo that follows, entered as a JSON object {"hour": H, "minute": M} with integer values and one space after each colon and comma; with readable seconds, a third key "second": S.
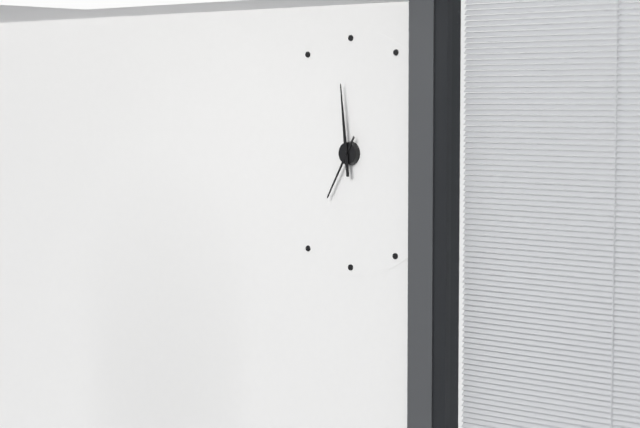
{"hour": 6, "minute": 59}
